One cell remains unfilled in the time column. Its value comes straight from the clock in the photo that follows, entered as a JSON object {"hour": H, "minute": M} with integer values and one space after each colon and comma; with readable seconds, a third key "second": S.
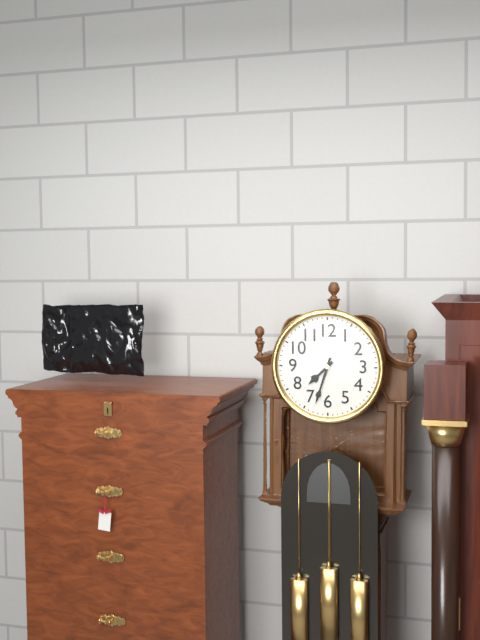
{"hour": 7, "minute": 33}
